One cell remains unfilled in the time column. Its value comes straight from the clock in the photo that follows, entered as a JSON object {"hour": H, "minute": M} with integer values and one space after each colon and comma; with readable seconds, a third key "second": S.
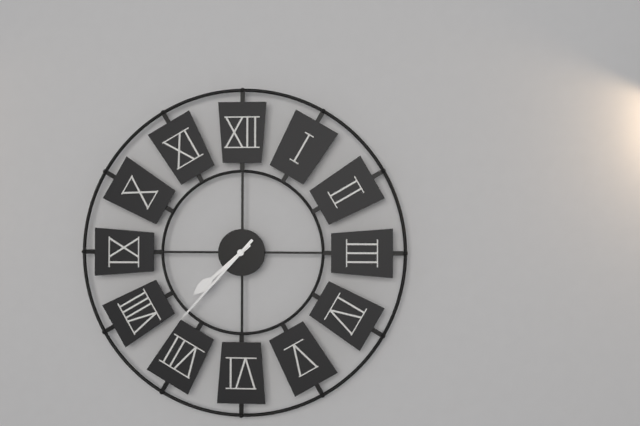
{"hour": 7, "minute": 37}
